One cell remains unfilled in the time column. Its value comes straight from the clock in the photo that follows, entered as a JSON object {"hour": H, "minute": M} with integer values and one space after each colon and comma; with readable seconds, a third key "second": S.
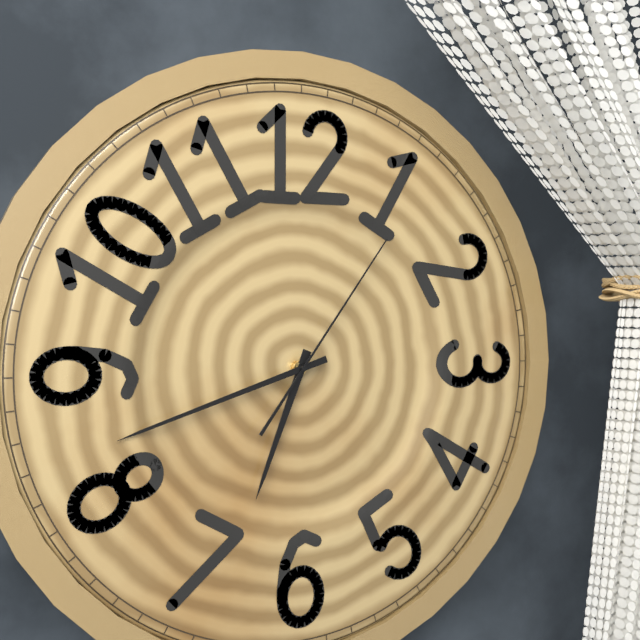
{"hour": 6, "minute": 42, "second": 6}
